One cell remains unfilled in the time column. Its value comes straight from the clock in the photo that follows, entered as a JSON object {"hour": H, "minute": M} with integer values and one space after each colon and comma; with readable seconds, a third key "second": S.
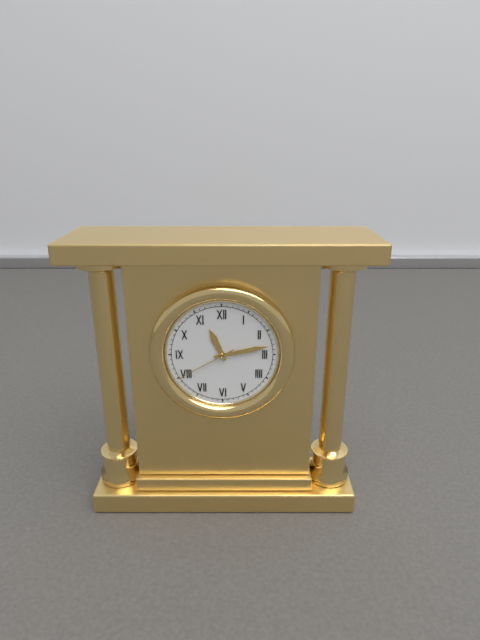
{"hour": 11, "minute": 13, "second": 40}
